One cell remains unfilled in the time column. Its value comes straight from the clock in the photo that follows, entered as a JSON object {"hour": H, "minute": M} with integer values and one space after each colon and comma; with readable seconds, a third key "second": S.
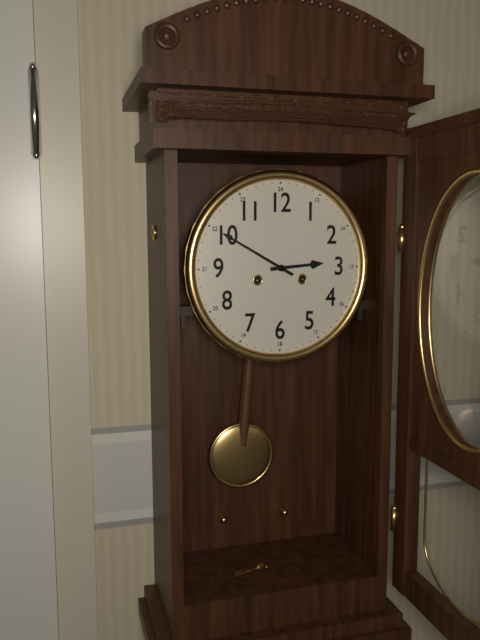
{"hour": 2, "minute": 50}
